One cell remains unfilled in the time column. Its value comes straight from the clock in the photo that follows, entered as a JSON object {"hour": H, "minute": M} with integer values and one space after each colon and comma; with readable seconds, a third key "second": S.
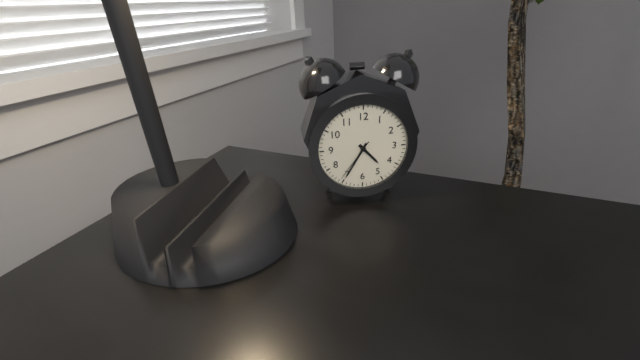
{"hour": 4, "minute": 35}
